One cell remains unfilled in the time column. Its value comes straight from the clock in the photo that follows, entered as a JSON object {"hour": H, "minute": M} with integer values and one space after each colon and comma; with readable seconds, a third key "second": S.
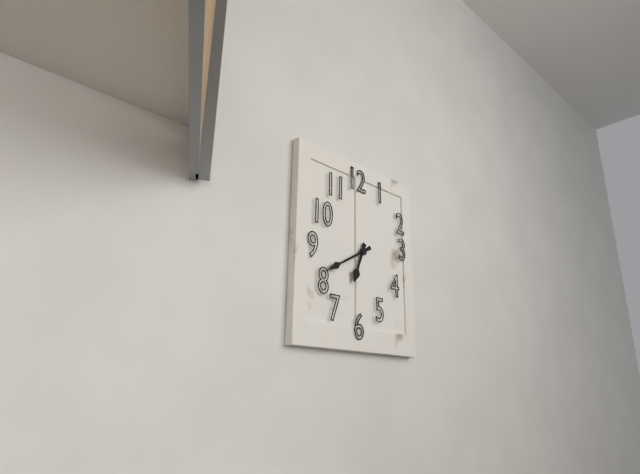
{"hour": 6, "minute": 40}
